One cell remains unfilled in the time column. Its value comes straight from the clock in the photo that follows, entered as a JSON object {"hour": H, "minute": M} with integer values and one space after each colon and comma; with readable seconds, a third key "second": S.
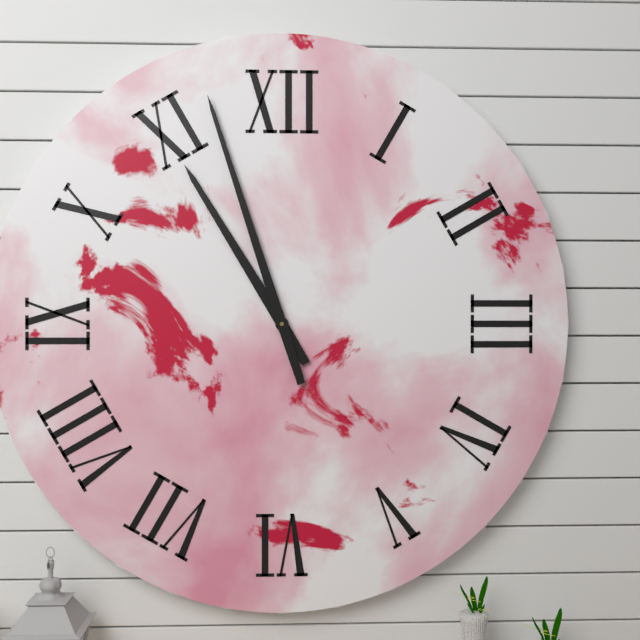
{"hour": 10, "minute": 57}
